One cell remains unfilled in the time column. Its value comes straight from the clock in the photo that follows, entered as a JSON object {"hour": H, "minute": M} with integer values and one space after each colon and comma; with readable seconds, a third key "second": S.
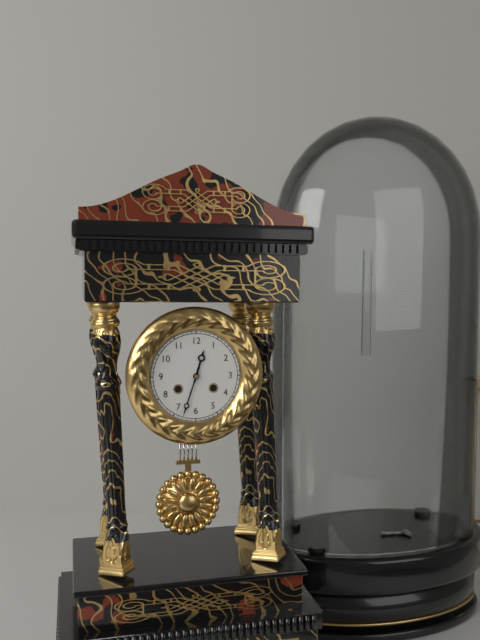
{"hour": 12, "minute": 33}
